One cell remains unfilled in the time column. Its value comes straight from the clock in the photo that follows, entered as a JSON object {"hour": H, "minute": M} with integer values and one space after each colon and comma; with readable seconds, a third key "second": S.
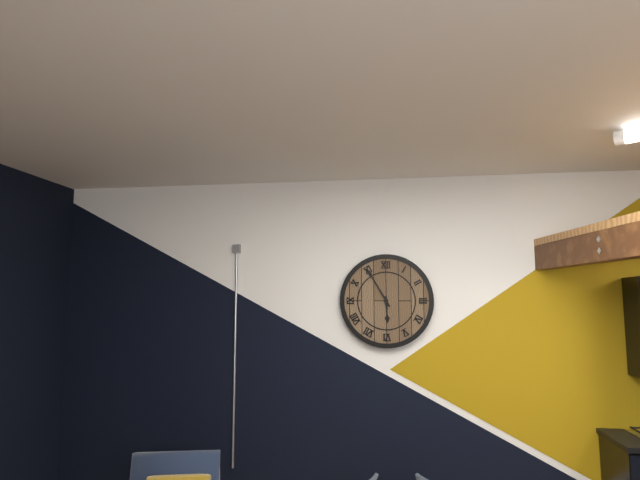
{"hour": 5, "minute": 55}
